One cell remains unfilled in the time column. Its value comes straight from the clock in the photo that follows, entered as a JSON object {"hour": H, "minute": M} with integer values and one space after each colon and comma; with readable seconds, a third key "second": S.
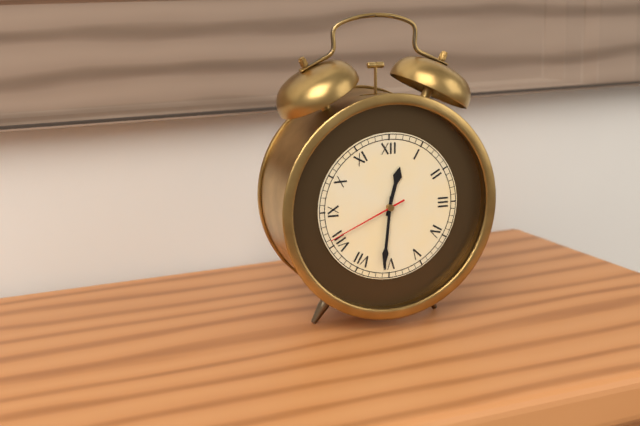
{"hour": 12, "minute": 31, "second": 41}
